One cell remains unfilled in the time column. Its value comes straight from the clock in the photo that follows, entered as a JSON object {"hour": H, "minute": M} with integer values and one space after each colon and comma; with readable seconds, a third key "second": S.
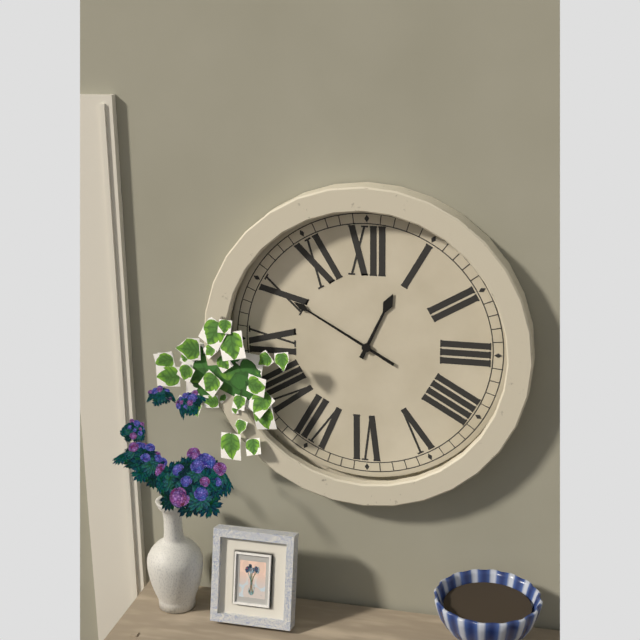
{"hour": 12, "minute": 50}
